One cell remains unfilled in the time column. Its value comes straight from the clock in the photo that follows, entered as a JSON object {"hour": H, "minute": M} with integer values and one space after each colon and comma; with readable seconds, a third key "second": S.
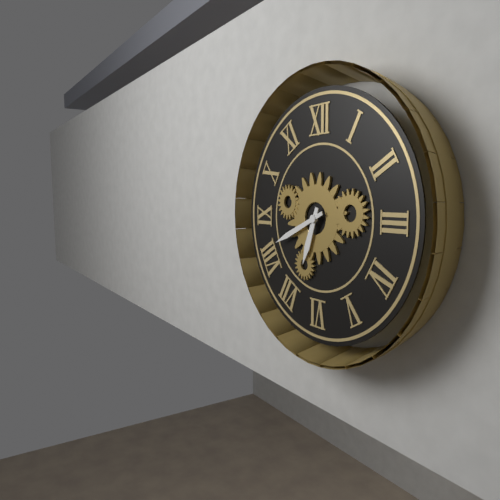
{"hour": 6, "minute": 41}
